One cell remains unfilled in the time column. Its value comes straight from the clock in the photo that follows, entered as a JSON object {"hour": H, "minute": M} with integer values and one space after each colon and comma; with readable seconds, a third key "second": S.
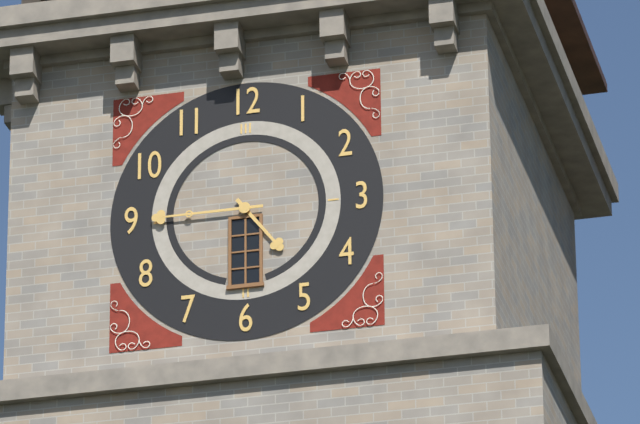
{"hour": 4, "minute": 45}
